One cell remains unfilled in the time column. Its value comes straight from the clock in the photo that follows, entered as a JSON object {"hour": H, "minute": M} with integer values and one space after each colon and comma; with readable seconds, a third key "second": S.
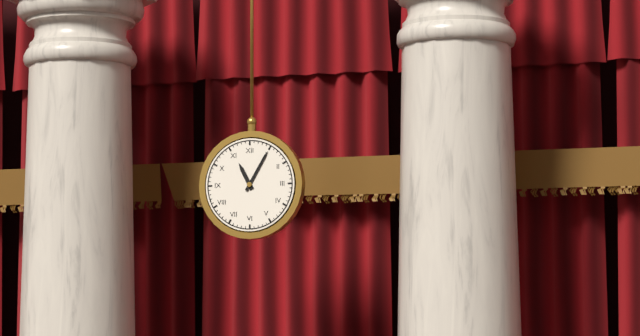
{"hour": 11, "minute": 5}
